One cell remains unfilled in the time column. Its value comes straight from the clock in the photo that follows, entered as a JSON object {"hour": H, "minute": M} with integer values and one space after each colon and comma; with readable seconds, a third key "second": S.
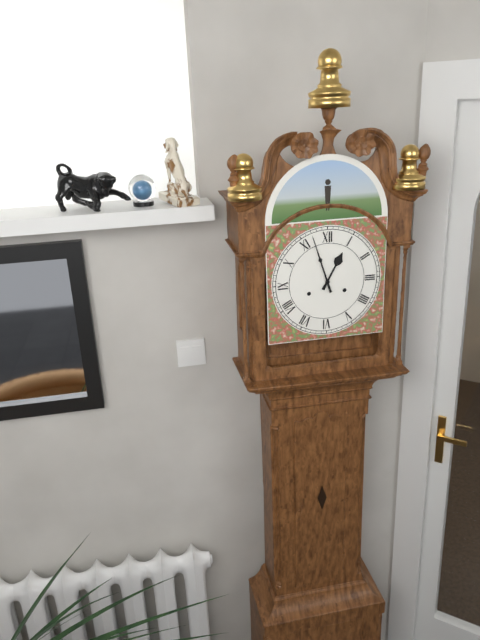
{"hour": 12, "minute": 57}
